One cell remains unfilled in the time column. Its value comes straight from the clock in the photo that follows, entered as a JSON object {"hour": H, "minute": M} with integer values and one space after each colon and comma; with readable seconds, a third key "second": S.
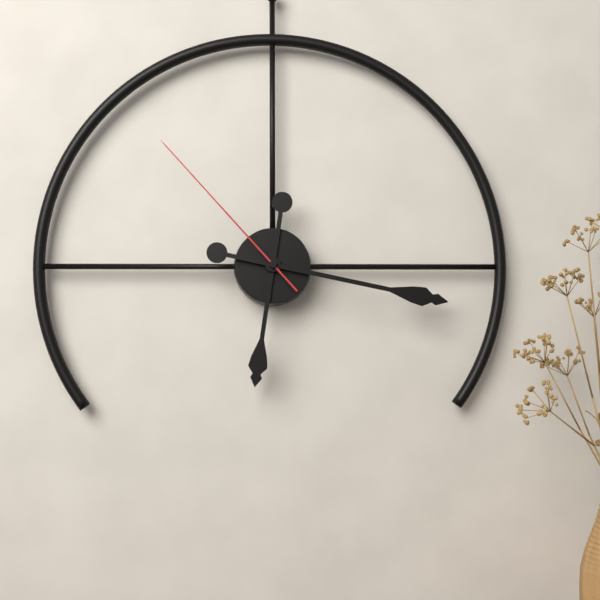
{"hour": 6, "minute": 17, "second": 53}
